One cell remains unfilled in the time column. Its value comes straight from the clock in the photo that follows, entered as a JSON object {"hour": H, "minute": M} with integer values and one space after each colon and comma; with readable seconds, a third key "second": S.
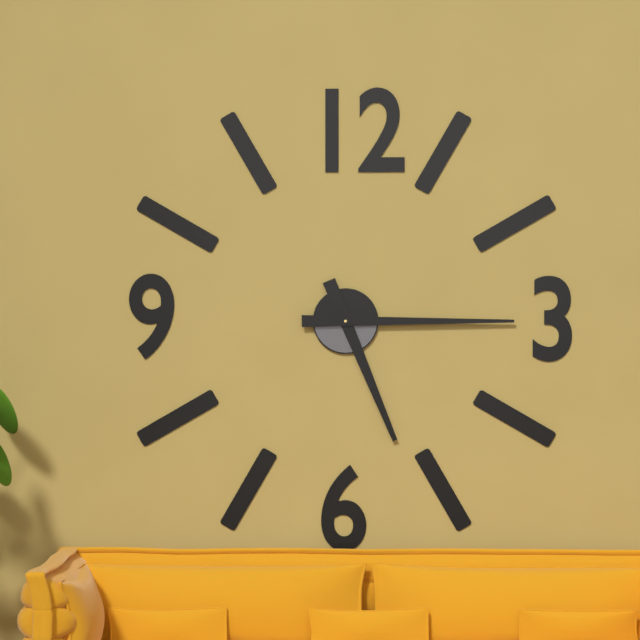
{"hour": 5, "minute": 15}
